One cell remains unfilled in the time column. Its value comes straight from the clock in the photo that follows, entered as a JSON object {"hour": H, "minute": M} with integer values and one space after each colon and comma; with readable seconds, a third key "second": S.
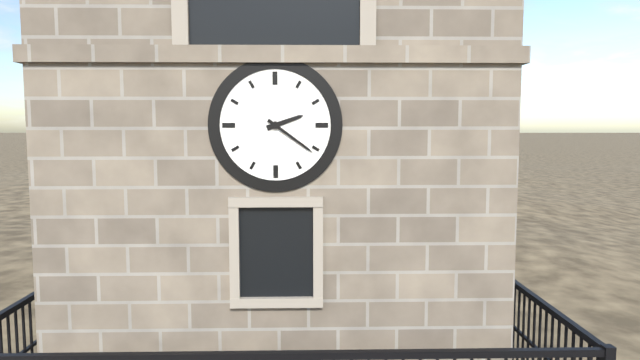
{"hour": 2, "minute": 21}
